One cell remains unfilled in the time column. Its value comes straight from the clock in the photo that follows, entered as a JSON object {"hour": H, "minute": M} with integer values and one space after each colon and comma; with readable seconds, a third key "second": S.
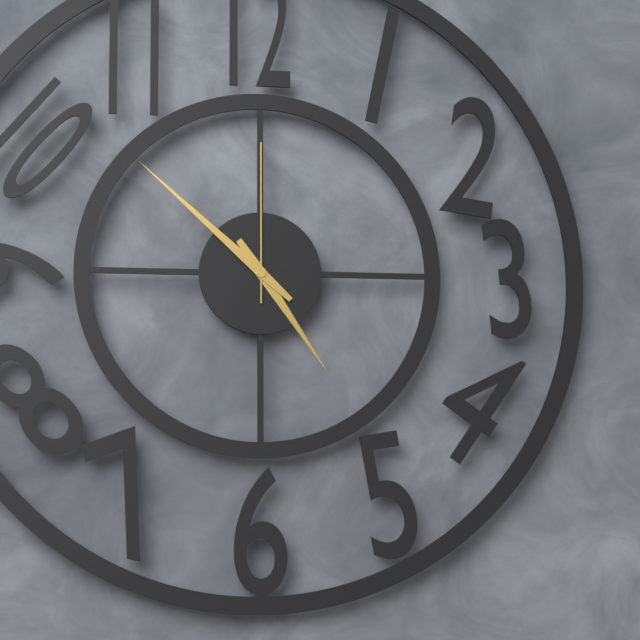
{"hour": 4, "minute": 52, "second": 0}
